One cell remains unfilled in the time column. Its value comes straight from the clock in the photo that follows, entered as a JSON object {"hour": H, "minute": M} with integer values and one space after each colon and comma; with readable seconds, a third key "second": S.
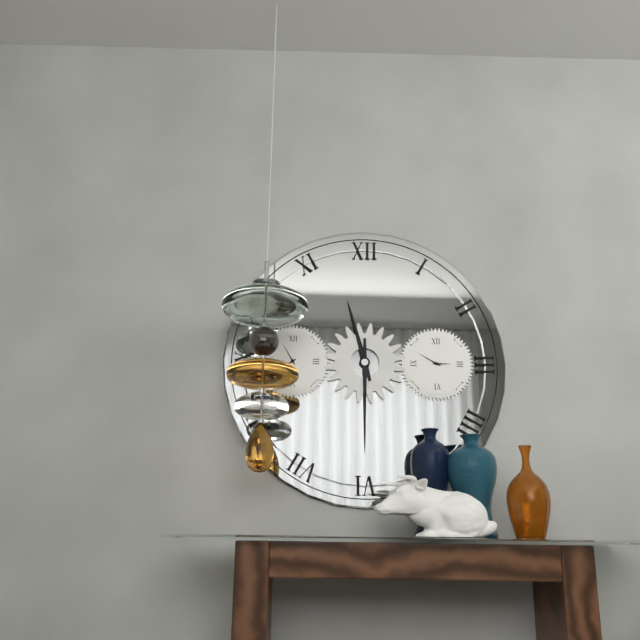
{"hour": 11, "minute": 30}
